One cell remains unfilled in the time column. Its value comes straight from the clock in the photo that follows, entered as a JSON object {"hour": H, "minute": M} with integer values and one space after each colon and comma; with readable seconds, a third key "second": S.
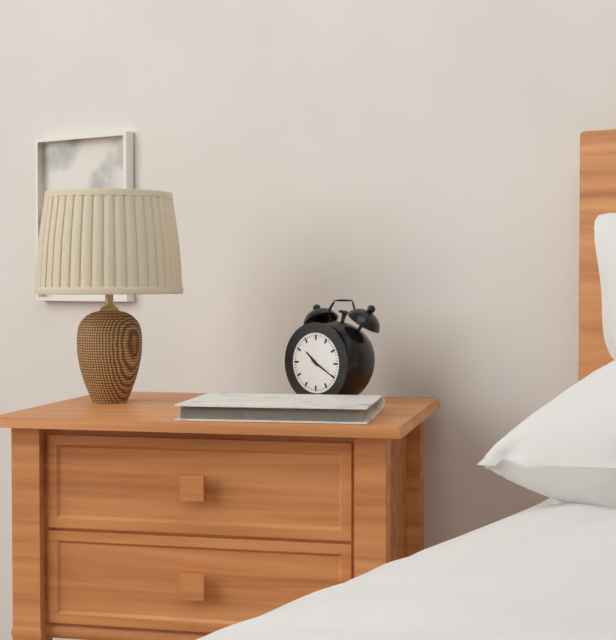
{"hour": 10, "minute": 20}
